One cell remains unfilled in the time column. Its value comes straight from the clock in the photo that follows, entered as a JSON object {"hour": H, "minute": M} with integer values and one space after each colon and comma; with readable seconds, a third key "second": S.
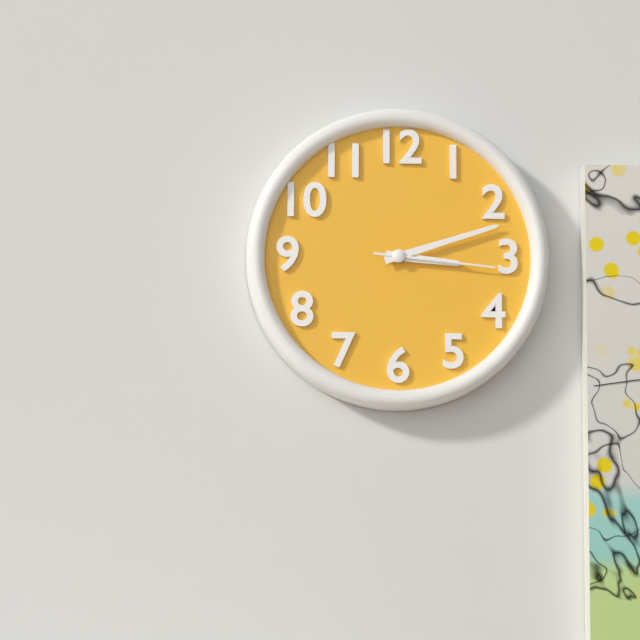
{"hour": 3, "minute": 12, "second": 16}
